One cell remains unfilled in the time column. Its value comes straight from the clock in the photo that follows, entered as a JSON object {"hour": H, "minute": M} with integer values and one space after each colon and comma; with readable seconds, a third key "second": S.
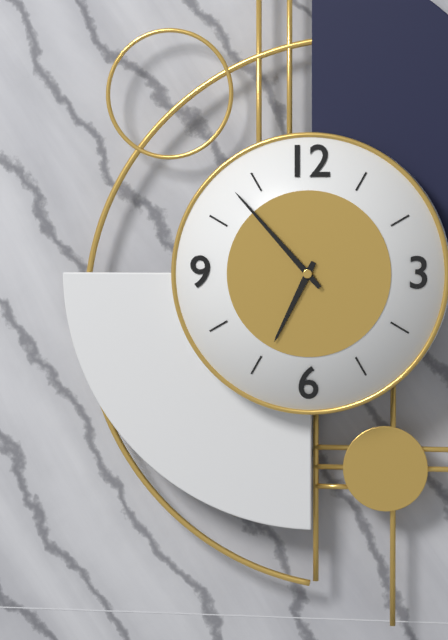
{"hour": 6, "minute": 53}
